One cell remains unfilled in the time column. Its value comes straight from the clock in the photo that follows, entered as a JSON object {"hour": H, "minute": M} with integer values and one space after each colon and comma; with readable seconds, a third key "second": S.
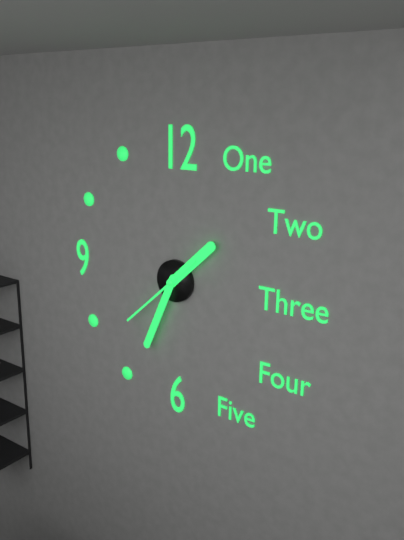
{"hour": 1, "minute": 34, "second": 38}
